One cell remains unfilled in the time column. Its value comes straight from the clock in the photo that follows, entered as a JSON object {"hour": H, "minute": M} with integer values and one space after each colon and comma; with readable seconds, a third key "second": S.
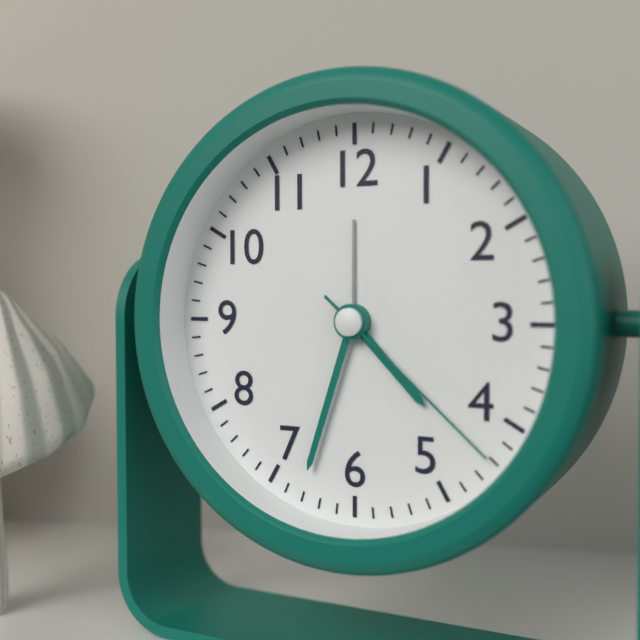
{"hour": 4, "minute": 33, "second": 22}
